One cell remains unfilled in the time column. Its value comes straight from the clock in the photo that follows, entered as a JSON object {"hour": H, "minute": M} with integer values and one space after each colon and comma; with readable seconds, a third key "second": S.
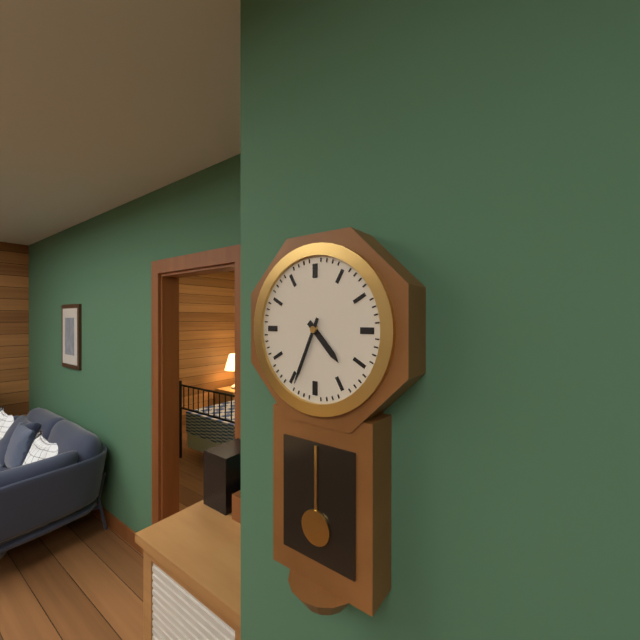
{"hour": 4, "minute": 34}
